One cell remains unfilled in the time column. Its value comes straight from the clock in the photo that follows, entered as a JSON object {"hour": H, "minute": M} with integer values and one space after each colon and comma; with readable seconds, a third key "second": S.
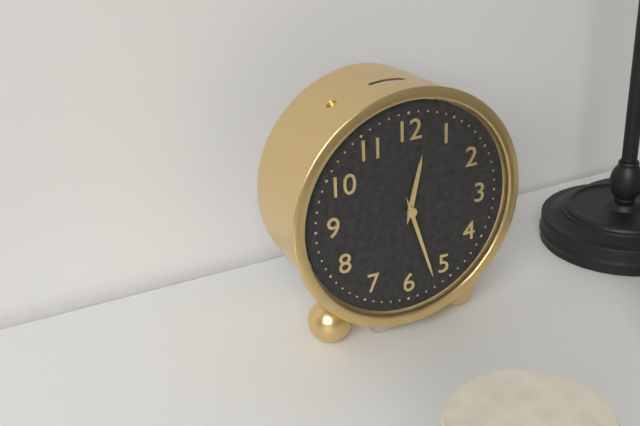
{"hour": 12, "minute": 27}
